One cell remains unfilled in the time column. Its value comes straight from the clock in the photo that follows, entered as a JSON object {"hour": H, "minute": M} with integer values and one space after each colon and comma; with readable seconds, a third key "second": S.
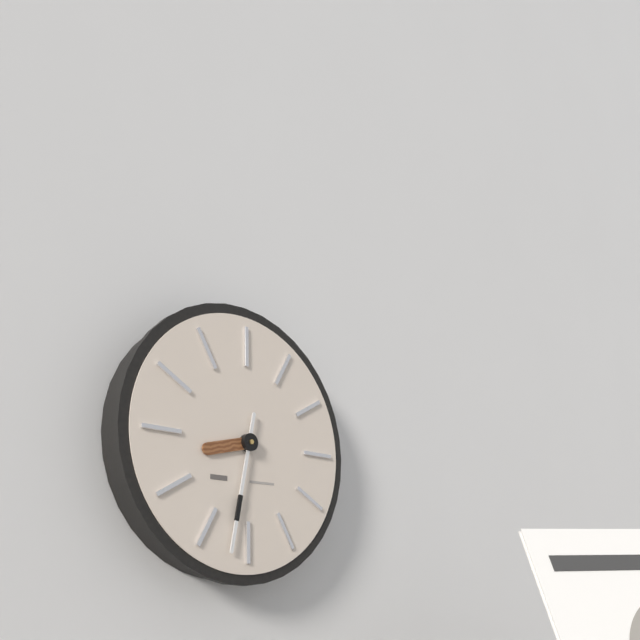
{"hour": 8, "minute": 32}
